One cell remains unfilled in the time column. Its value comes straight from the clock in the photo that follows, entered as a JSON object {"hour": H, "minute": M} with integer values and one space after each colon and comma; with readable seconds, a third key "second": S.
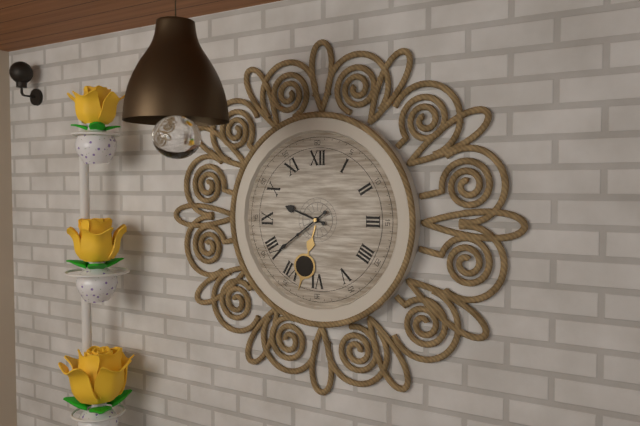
{"hour": 9, "minute": 39}
